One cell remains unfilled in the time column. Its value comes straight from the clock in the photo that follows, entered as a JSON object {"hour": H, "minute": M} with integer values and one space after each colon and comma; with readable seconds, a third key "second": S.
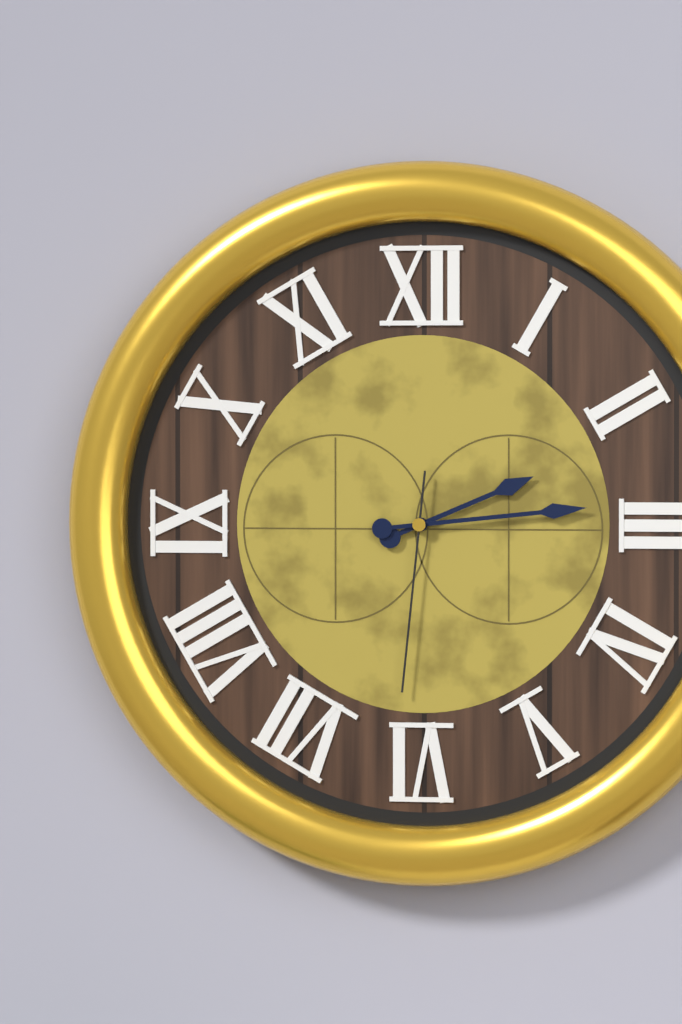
{"hour": 2, "minute": 14, "second": 31}
